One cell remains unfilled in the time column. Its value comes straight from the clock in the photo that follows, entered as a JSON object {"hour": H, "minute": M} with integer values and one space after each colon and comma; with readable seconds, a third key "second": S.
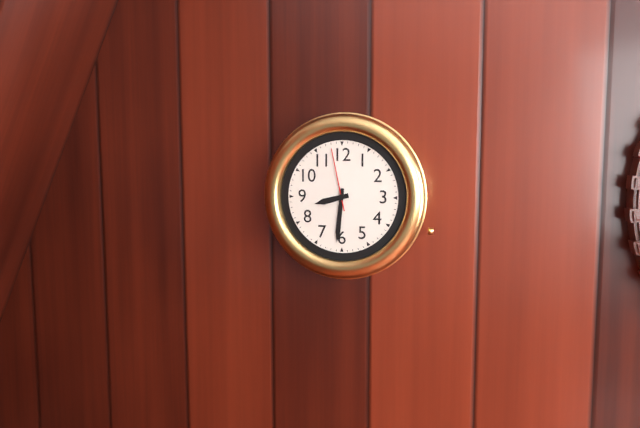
{"hour": 8, "minute": 31, "second": 58}
